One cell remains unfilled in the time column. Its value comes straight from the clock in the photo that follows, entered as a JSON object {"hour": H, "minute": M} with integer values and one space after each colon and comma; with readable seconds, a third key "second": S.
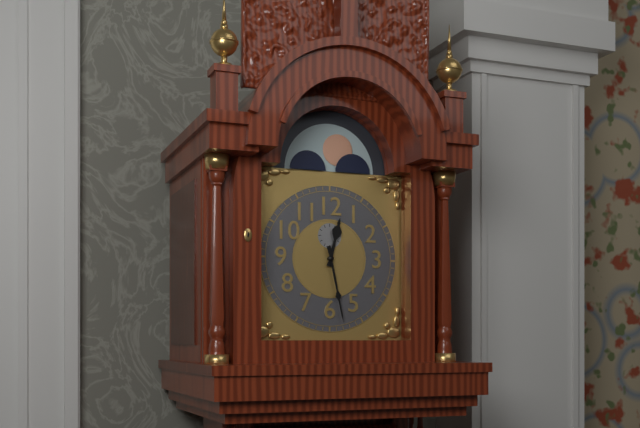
{"hour": 12, "minute": 28}
